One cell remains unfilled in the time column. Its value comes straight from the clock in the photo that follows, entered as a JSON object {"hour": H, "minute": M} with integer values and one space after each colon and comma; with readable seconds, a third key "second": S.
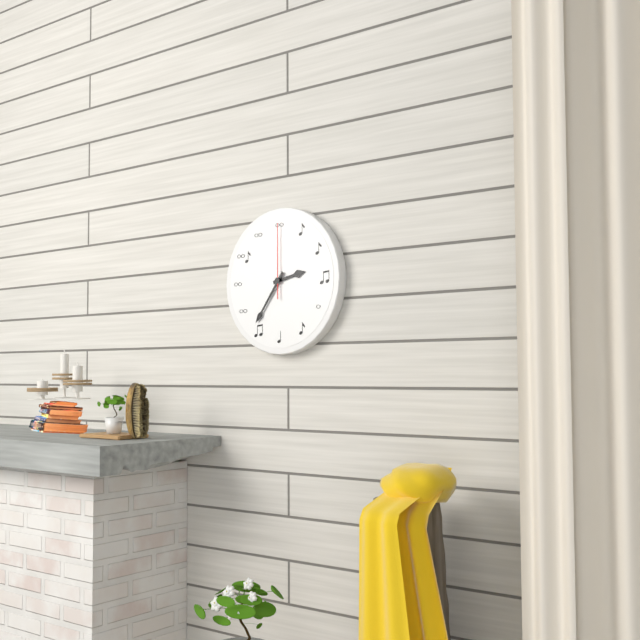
{"hour": 2, "minute": 36, "second": 0}
